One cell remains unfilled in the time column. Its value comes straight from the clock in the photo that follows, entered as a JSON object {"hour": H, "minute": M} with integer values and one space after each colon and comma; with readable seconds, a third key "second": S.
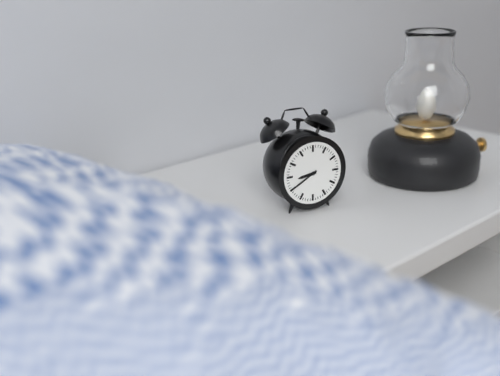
{"hour": 8, "minute": 40}
